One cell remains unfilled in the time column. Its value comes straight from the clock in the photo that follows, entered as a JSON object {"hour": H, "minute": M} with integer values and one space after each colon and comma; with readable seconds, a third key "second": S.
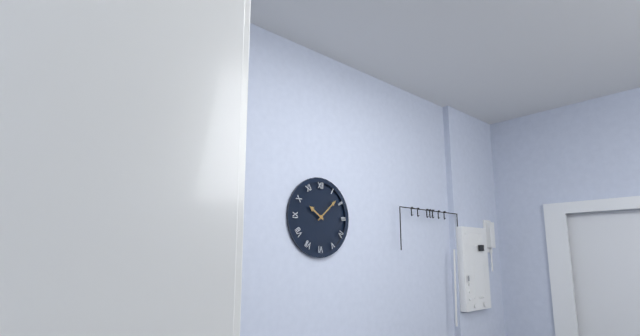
{"hour": 10, "minute": 8}
